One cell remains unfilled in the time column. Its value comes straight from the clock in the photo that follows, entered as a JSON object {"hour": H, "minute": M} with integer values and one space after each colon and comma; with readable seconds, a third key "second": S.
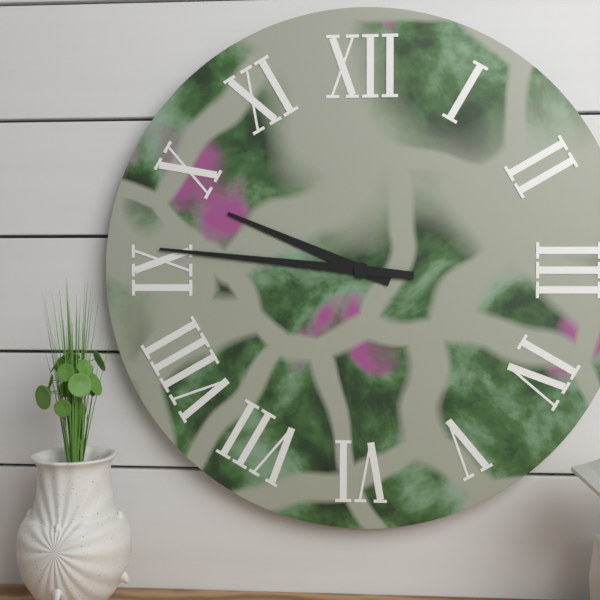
{"hour": 9, "minute": 46}
